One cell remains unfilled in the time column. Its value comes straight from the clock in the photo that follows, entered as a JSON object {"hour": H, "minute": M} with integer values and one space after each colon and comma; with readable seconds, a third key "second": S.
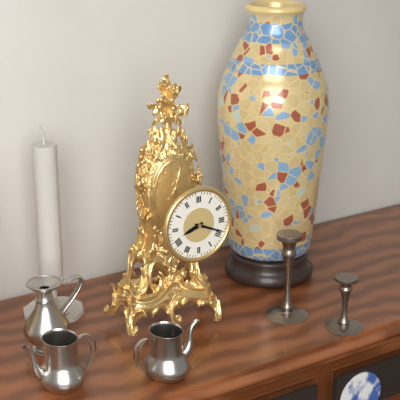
{"hour": 8, "minute": 19}
